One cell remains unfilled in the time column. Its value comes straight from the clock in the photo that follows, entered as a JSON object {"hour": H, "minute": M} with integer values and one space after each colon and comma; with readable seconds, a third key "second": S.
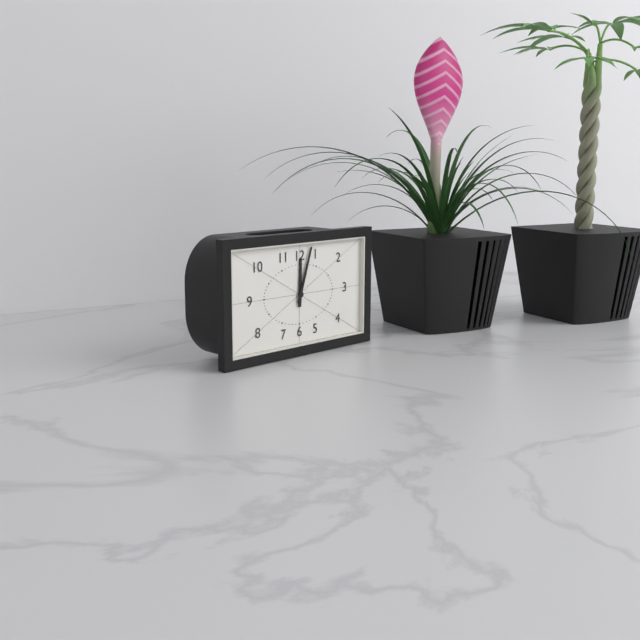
{"hour": 12, "minute": 3}
